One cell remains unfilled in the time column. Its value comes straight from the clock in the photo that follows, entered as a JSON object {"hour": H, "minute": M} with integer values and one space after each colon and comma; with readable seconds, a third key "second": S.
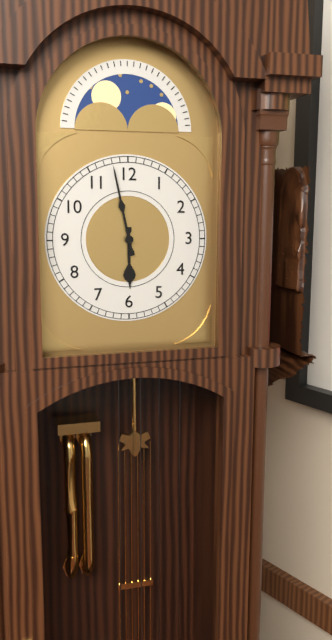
{"hour": 5, "minute": 58}
